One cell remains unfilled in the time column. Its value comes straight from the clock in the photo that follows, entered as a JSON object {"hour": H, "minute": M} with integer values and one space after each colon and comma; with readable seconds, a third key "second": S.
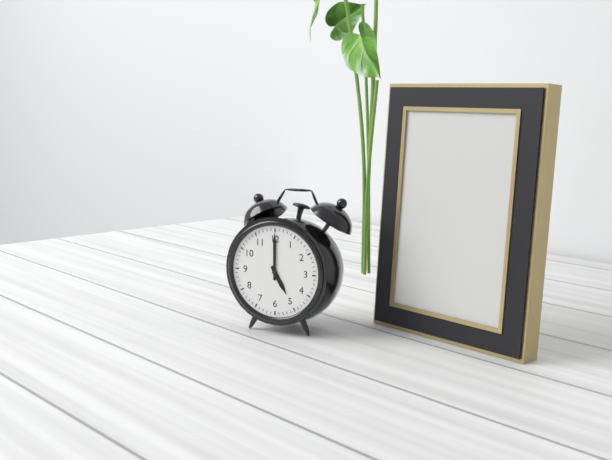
{"hour": 5, "minute": 0}
